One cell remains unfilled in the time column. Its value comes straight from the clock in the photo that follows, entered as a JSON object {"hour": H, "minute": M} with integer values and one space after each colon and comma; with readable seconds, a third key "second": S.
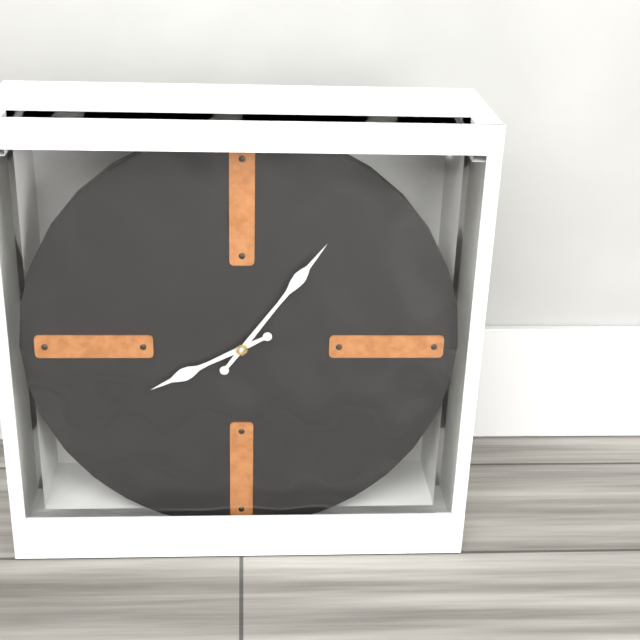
{"hour": 8, "minute": 6}
